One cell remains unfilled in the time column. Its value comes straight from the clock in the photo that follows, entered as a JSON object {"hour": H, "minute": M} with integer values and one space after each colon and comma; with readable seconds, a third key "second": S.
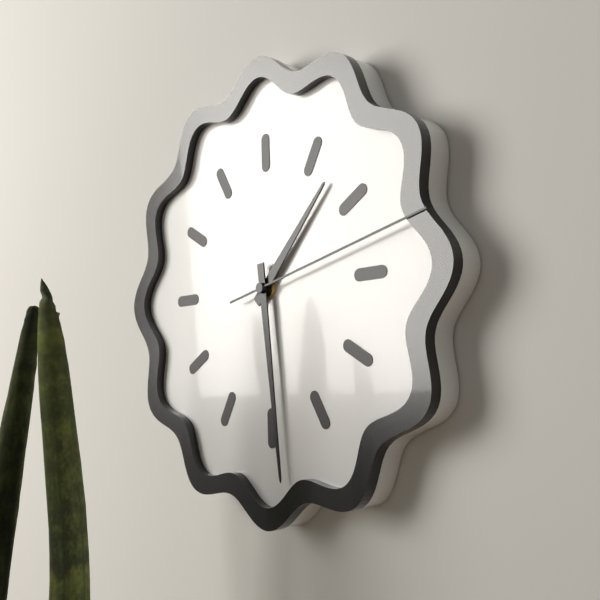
{"hour": 1, "minute": 29, "second": 13}
